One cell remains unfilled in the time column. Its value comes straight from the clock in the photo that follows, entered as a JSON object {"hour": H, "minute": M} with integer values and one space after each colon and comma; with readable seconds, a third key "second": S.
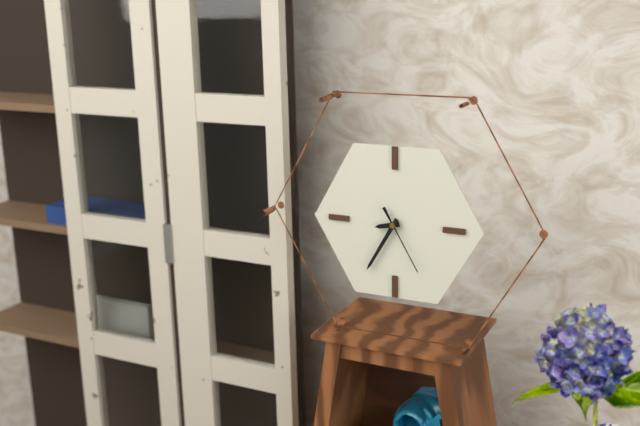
{"hour": 8, "minute": 35, "second": 25}
